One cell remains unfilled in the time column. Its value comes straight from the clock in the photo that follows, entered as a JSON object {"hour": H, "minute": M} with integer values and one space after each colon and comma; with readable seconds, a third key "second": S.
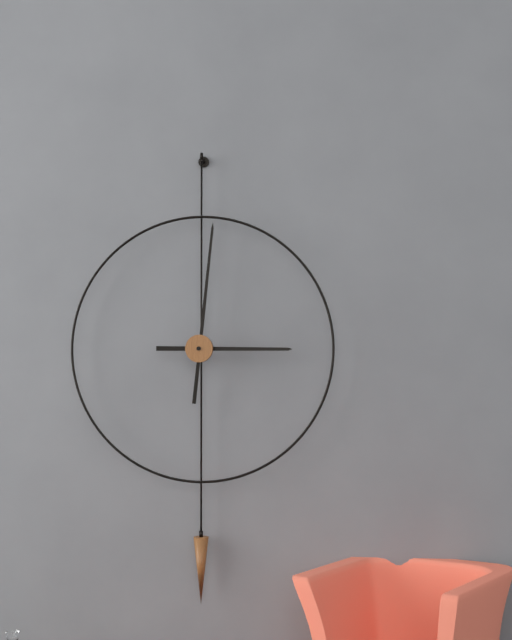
{"hour": 3, "minute": 1}
